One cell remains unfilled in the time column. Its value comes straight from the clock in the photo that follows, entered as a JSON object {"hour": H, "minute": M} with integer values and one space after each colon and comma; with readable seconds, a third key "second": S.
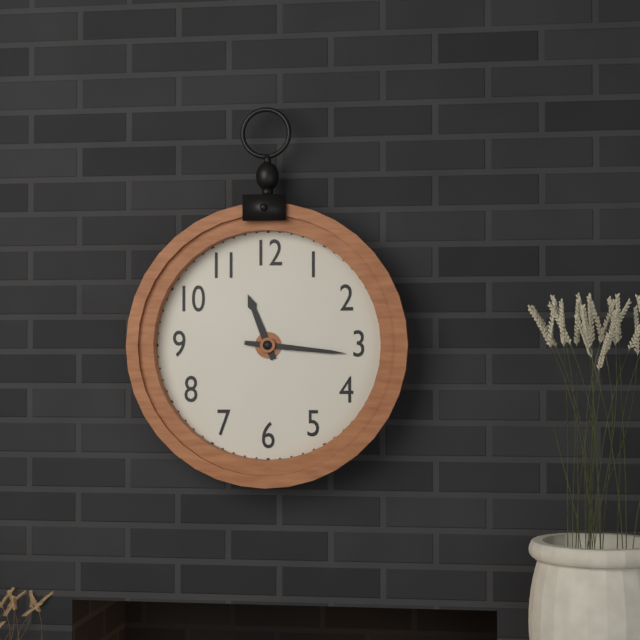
{"hour": 11, "minute": 16}
